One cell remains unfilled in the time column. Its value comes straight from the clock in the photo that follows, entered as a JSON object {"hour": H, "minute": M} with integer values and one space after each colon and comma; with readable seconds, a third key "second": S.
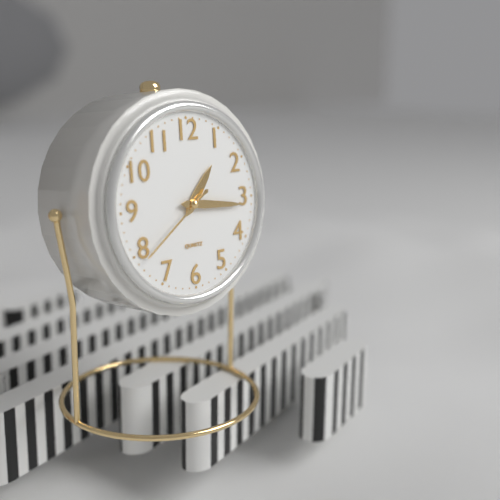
{"hour": 1, "minute": 16, "second": 39}
